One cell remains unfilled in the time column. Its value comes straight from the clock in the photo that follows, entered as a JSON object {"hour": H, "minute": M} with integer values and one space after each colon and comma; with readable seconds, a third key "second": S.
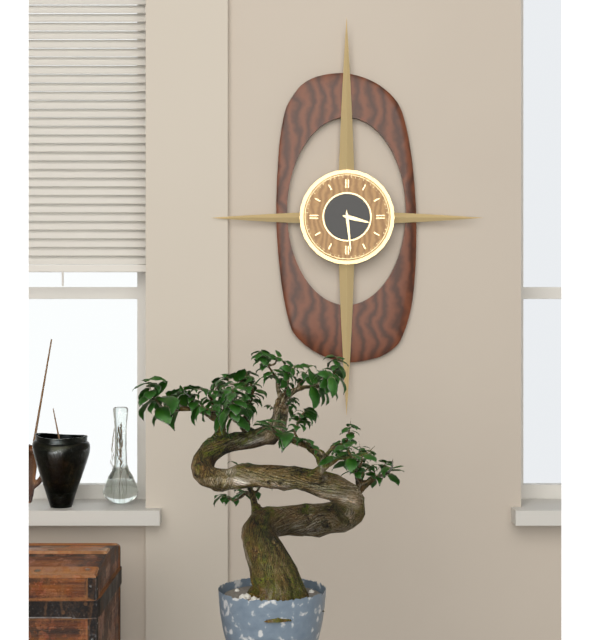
{"hour": 3, "minute": 29}
